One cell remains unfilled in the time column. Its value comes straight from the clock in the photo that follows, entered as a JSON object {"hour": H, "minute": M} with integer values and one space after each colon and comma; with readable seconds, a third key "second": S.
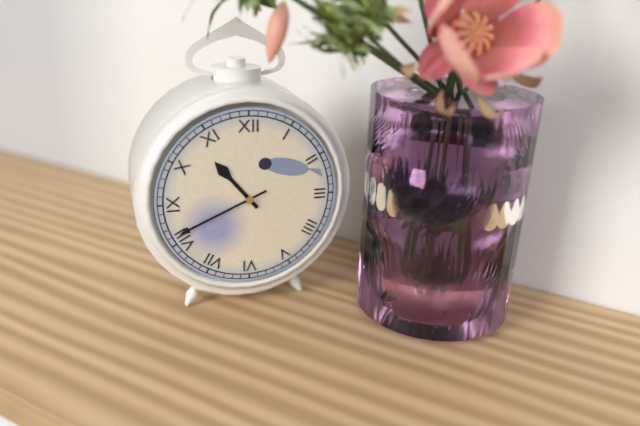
{"hour": 10, "minute": 41}
